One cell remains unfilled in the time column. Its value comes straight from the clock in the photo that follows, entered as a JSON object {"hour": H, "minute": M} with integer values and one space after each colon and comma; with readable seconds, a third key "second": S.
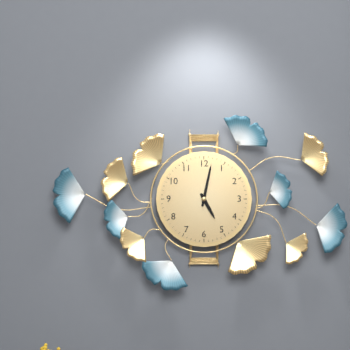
{"hour": 5, "minute": 2}
